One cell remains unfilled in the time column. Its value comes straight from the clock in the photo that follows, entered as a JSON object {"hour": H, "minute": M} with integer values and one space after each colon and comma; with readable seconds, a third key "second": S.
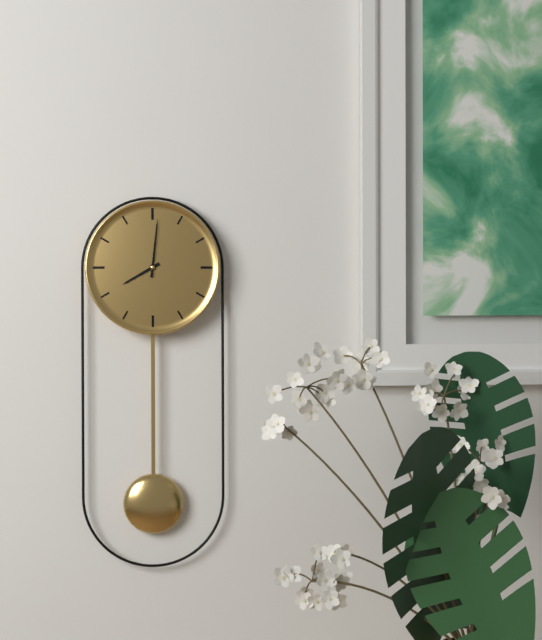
{"hour": 8, "minute": 1}
